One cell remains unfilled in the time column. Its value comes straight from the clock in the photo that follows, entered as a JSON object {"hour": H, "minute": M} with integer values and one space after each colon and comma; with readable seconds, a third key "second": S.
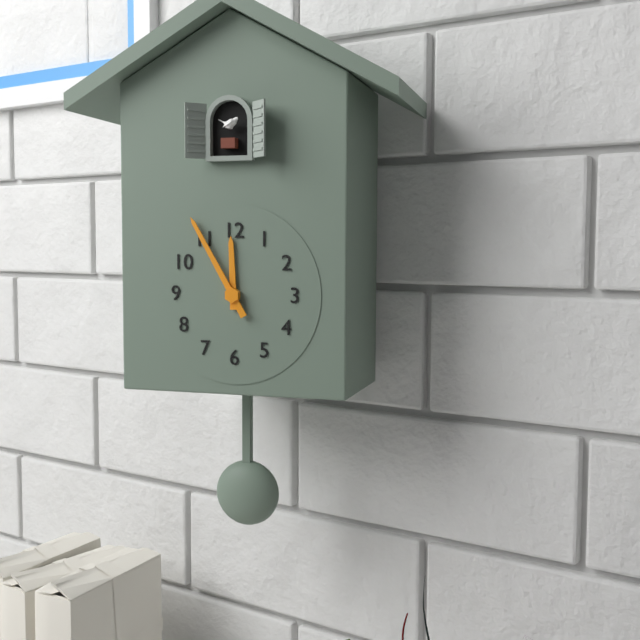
{"hour": 11, "minute": 55}
